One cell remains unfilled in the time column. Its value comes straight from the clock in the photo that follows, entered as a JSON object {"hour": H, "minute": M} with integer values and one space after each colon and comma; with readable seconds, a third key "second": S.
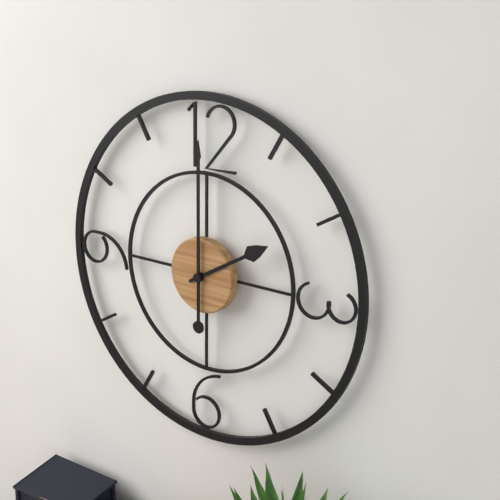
{"hour": 2, "minute": 0}
